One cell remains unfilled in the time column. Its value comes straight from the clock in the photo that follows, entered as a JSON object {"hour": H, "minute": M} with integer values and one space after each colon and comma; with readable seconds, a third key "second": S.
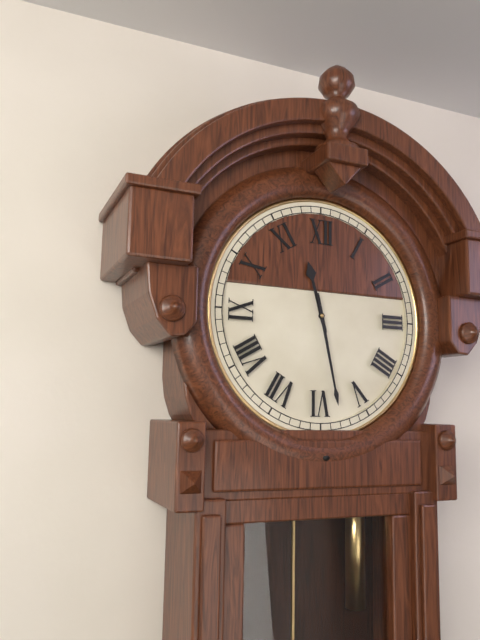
{"hour": 11, "minute": 28}
